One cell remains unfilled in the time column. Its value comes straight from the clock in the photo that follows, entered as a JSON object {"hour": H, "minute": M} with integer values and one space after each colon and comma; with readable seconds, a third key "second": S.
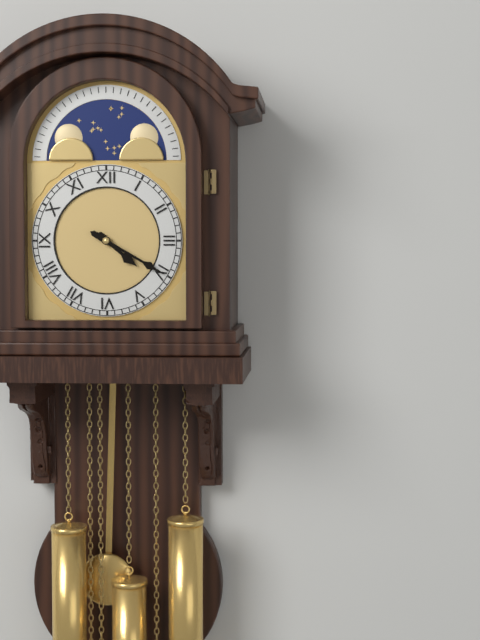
{"hour": 4, "minute": 20}
